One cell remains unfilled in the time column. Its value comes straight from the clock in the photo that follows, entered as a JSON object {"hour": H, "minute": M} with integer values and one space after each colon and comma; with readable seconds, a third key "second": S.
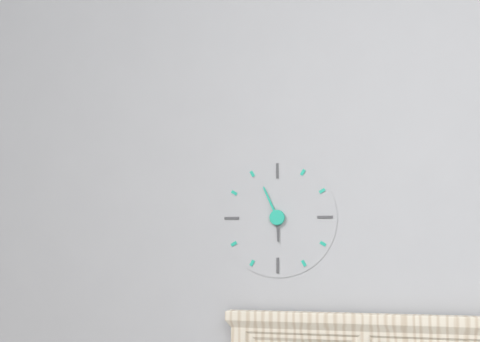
{"hour": 5, "minute": 56}
